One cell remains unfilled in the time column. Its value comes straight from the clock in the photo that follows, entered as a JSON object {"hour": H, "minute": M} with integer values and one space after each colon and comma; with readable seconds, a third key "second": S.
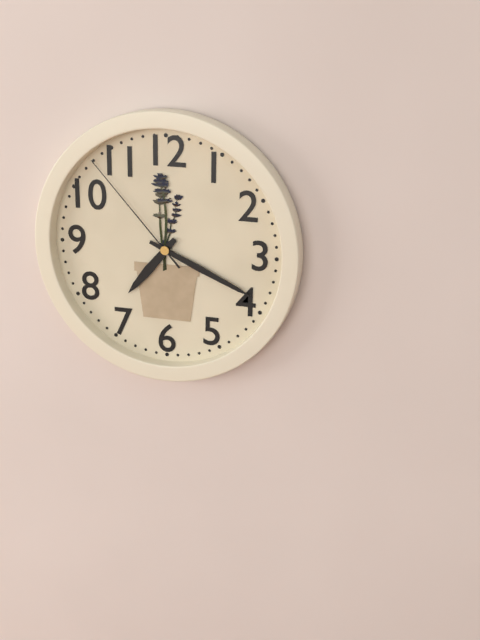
{"hour": 7, "minute": 19, "second": 53}
